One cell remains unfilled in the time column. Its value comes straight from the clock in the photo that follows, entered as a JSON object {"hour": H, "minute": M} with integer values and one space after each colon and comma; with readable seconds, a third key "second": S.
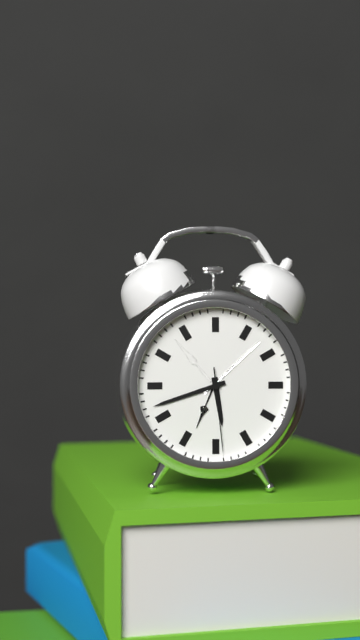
{"hour": 5, "minute": 42, "second": 29}
